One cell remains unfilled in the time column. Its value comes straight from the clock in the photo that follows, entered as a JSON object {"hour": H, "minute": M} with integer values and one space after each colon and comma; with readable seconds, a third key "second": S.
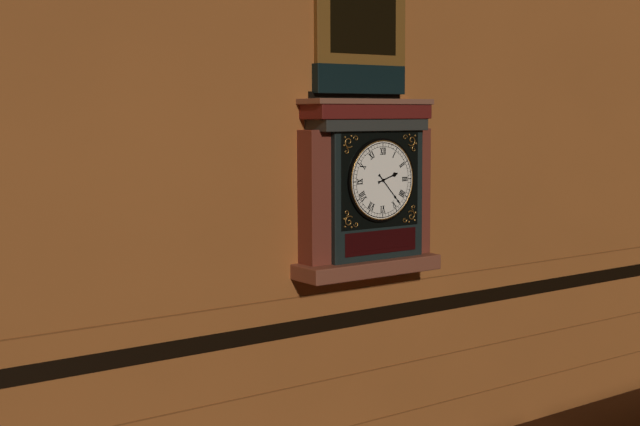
{"hour": 2, "minute": 23}
